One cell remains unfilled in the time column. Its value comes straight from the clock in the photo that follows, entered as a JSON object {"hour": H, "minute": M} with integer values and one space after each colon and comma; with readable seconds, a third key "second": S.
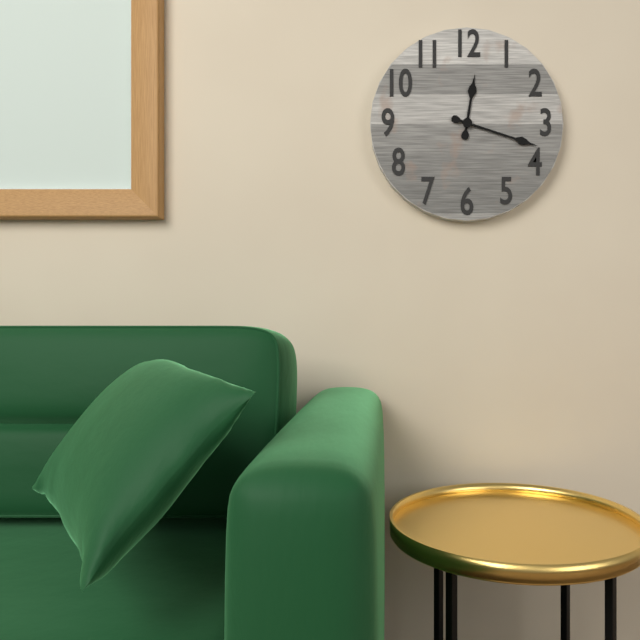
{"hour": 12, "minute": 18}
